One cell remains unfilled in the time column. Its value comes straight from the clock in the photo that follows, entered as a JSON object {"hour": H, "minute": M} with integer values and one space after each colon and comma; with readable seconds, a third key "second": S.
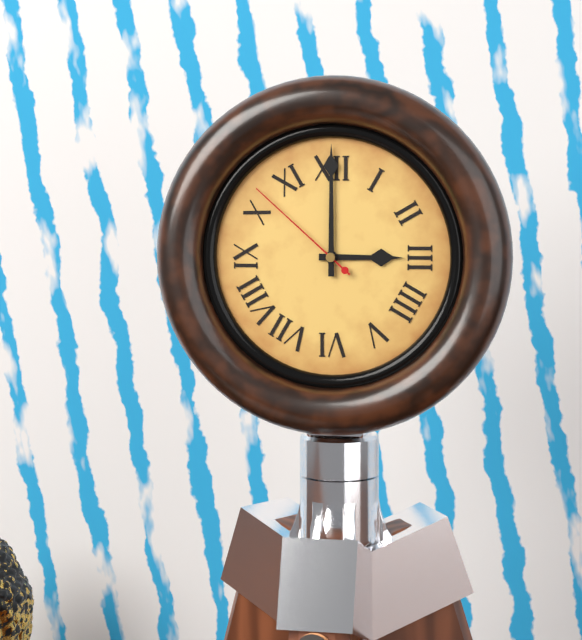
{"hour": 3, "minute": 0, "second": 52}
